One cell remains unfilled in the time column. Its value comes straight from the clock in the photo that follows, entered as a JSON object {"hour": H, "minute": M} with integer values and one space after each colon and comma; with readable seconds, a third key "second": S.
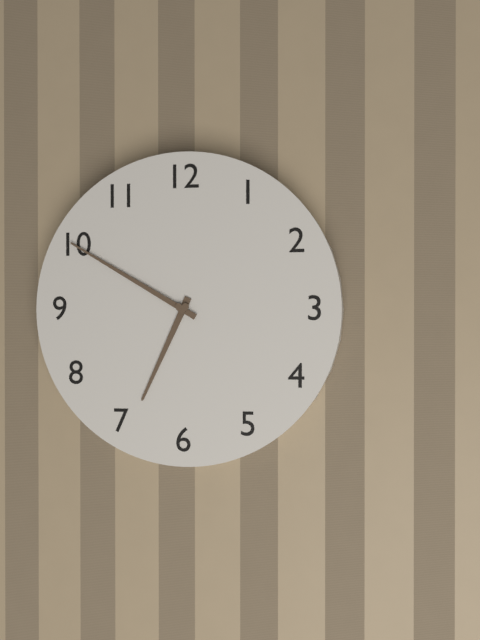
{"hour": 6, "minute": 50}
